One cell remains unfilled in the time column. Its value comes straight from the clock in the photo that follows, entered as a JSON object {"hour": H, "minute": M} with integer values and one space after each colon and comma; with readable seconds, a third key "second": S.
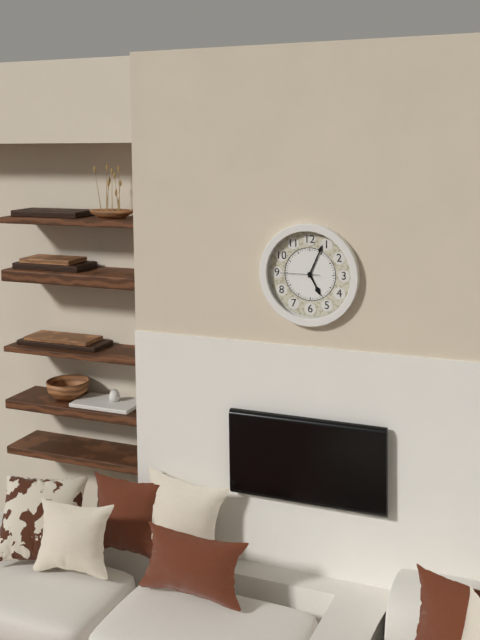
{"hour": 5, "minute": 4}
